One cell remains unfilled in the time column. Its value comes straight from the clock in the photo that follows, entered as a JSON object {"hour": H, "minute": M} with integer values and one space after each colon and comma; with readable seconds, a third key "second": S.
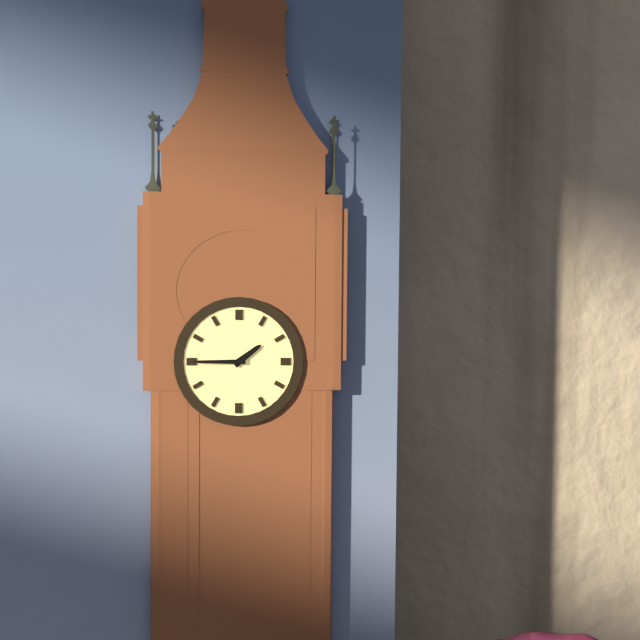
{"hour": 1, "minute": 45}
